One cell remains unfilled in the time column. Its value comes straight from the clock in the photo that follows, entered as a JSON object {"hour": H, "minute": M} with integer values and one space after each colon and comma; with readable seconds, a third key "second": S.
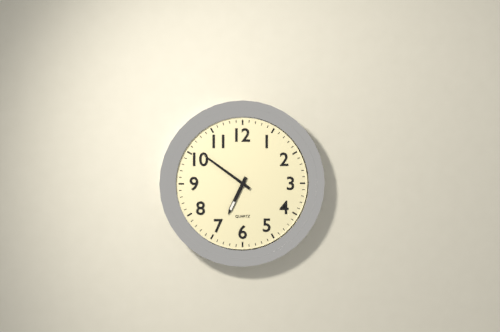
{"hour": 6, "minute": 51}
